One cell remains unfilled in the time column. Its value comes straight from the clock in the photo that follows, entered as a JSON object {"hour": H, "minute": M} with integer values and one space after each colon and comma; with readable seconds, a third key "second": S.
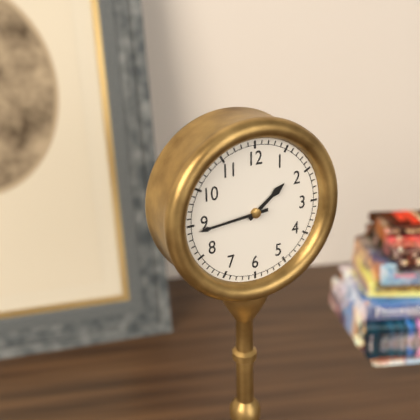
{"hour": 1, "minute": 44}
